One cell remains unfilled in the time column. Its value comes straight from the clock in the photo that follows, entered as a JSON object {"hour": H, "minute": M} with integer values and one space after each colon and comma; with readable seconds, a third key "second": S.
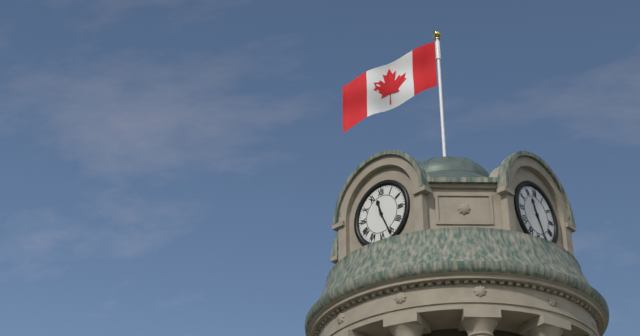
{"hour": 11, "minute": 26}
